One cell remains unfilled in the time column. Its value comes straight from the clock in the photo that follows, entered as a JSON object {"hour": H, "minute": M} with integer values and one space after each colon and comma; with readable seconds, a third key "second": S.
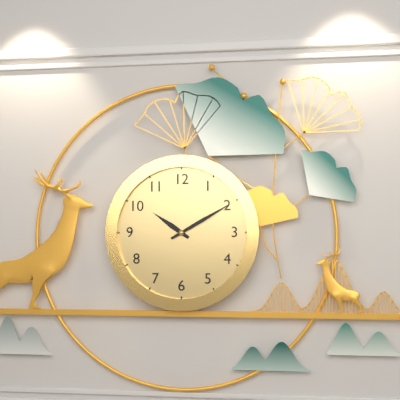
{"hour": 10, "minute": 10}
